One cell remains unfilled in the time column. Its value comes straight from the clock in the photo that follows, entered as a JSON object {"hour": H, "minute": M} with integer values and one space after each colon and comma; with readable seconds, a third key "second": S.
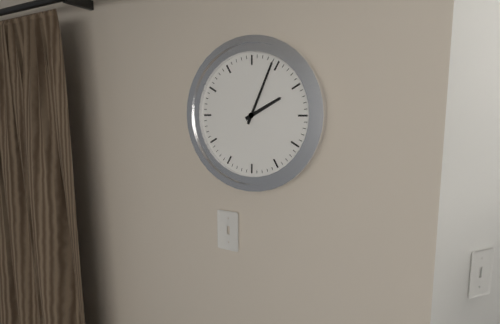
{"hour": 2, "minute": 4}
